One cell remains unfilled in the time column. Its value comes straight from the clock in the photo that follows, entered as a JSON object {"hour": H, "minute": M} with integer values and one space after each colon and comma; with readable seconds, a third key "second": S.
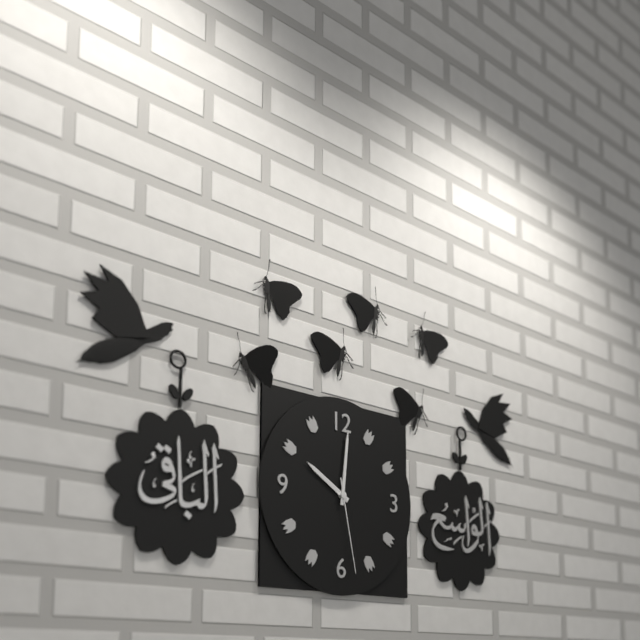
{"hour": 10, "minute": 1, "second": 28}
